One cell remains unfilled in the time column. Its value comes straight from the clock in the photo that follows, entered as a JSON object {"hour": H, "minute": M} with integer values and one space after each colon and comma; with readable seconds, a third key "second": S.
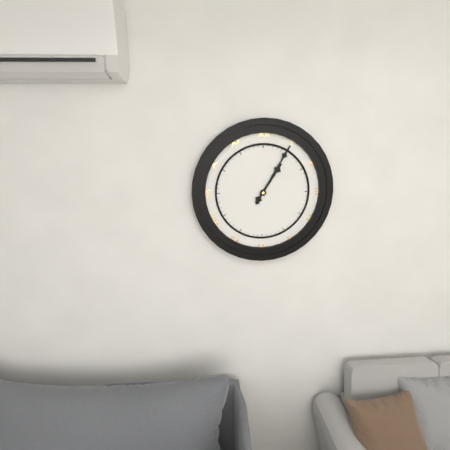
{"hour": 1, "minute": 5}
